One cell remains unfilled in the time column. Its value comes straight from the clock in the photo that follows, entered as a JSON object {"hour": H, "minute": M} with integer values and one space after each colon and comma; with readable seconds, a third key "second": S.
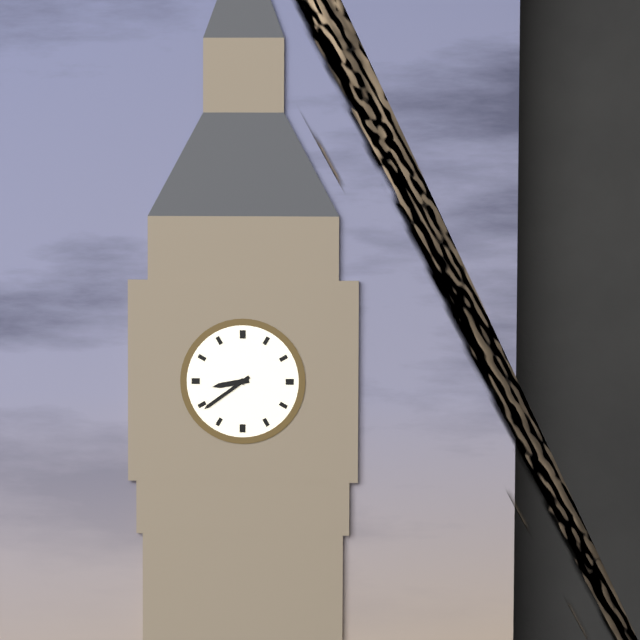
{"hour": 8, "minute": 39}
